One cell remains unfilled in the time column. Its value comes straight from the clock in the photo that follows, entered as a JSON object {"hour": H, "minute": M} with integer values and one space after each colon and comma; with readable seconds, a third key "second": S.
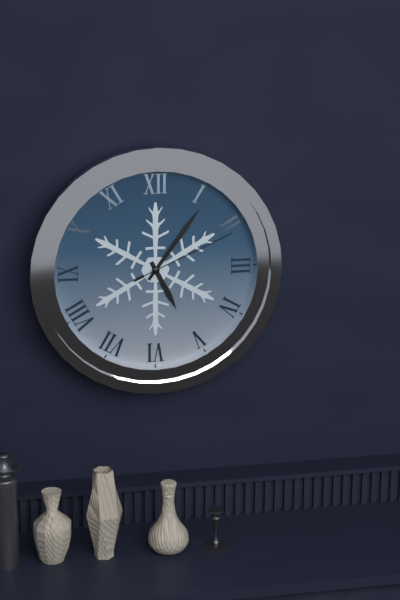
{"hour": 5, "minute": 6, "second": 11}
